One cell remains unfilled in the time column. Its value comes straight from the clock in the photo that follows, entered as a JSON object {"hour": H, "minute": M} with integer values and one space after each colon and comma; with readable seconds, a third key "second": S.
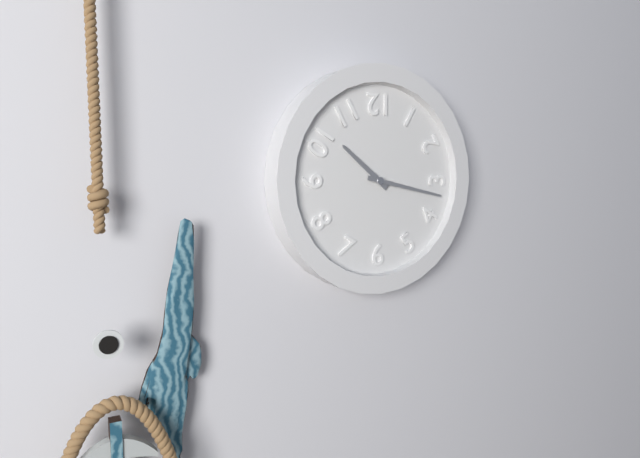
{"hour": 10, "minute": 17}
